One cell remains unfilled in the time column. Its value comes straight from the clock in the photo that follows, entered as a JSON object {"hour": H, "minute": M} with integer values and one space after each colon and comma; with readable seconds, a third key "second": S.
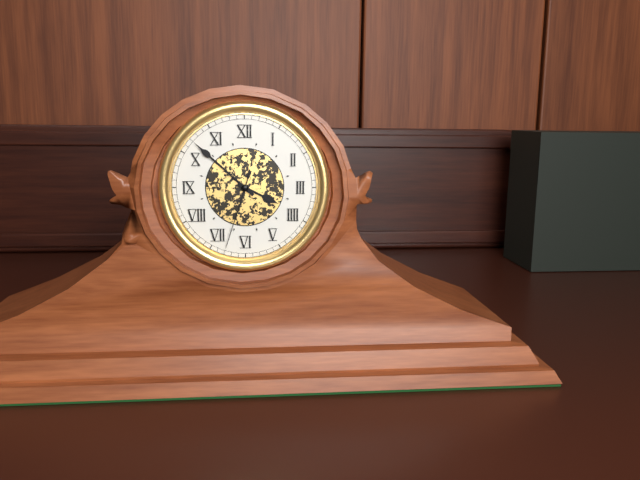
{"hour": 3, "minute": 52, "second": 33}
